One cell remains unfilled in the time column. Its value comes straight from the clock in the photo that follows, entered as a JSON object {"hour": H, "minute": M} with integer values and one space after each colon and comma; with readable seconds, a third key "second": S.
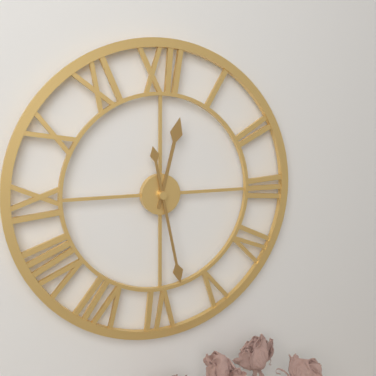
{"hour": 12, "minute": 28}
